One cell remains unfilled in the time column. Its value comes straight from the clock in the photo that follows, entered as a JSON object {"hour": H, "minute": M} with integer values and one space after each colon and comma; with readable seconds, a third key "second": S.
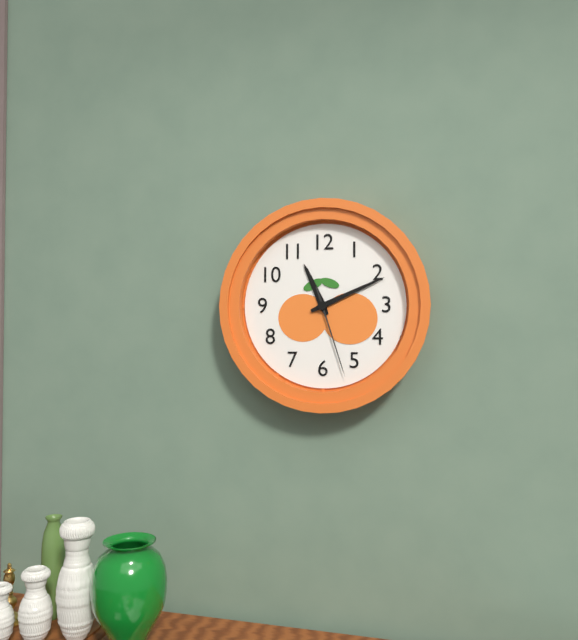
{"hour": 11, "minute": 11, "second": 27}
